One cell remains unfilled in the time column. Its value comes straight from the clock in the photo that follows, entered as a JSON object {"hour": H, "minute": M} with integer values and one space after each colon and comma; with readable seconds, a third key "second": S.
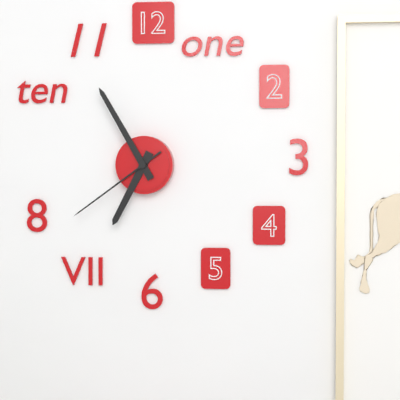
{"hour": 6, "minute": 55, "second": 39}
